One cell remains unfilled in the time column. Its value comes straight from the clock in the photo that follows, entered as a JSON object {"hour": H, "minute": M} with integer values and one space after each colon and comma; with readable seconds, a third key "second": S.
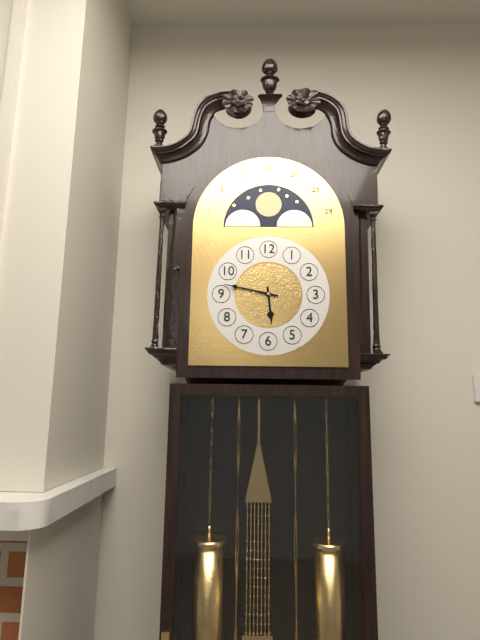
{"hour": 5, "minute": 47}
